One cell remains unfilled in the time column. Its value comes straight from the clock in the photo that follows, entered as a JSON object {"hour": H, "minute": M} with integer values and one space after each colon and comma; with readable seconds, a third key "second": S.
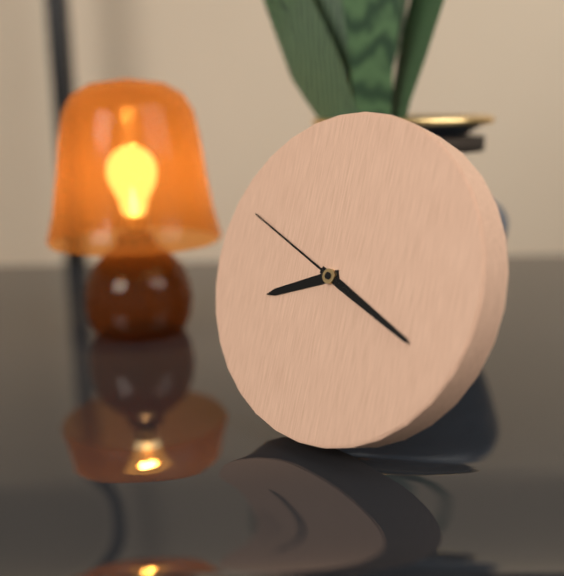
{"hour": 8, "minute": 19, "second": 49}
